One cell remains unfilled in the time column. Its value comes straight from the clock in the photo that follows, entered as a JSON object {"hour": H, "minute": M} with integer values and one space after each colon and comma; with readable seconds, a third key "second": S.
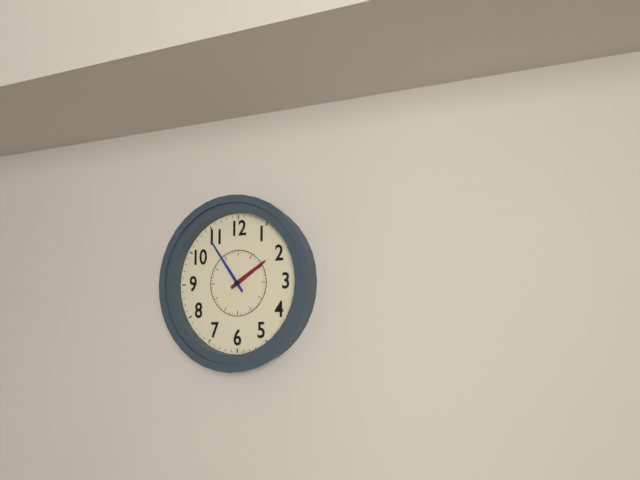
{"hour": 1, "minute": 54}
